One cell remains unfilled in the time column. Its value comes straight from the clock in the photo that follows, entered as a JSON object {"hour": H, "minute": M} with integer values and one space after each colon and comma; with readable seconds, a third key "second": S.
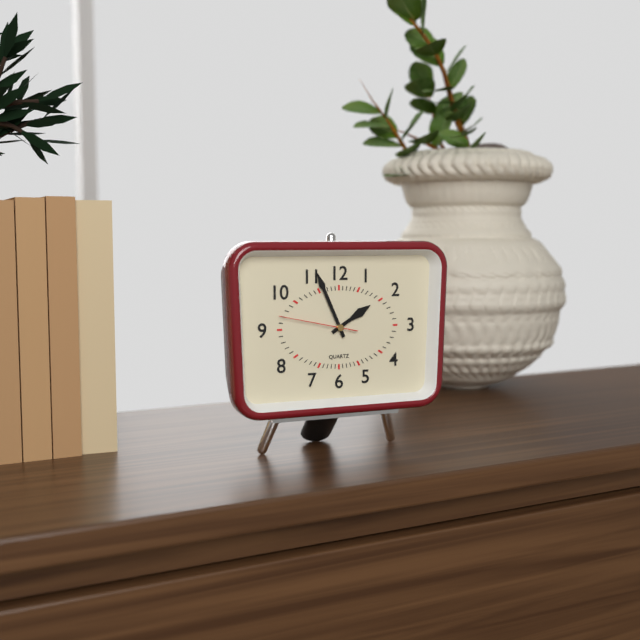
{"hour": 1, "minute": 56, "second": 47}
